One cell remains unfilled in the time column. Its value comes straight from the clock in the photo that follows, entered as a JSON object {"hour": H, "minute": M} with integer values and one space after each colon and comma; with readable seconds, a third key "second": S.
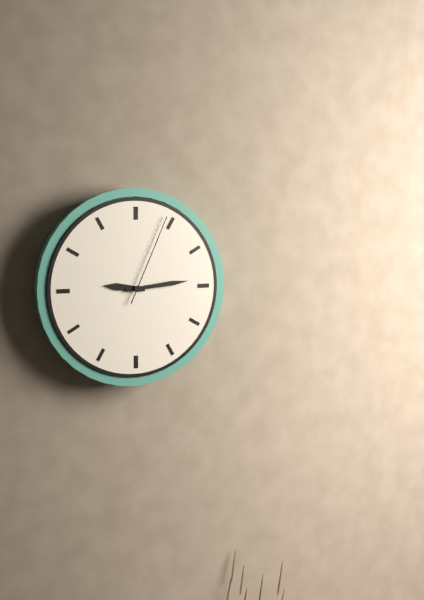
{"hour": 9, "minute": 14, "second": 4}
